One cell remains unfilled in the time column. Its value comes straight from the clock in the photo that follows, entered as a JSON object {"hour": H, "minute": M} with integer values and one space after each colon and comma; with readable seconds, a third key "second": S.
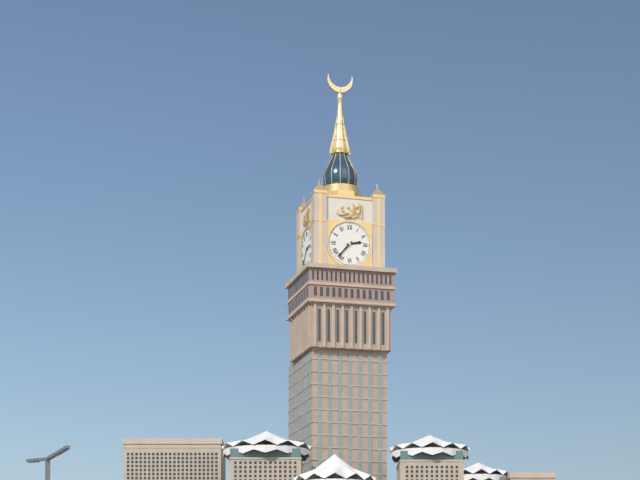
{"hour": 2, "minute": 37}
